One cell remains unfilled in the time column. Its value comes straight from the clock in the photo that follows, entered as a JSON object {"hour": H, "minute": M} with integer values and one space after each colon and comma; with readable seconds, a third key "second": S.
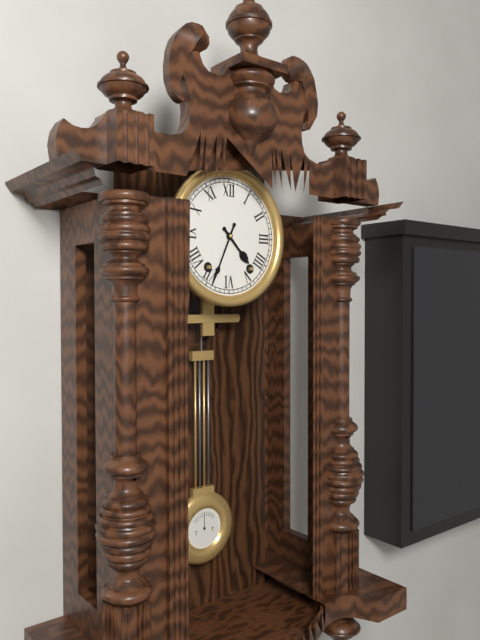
{"hour": 4, "minute": 34}
